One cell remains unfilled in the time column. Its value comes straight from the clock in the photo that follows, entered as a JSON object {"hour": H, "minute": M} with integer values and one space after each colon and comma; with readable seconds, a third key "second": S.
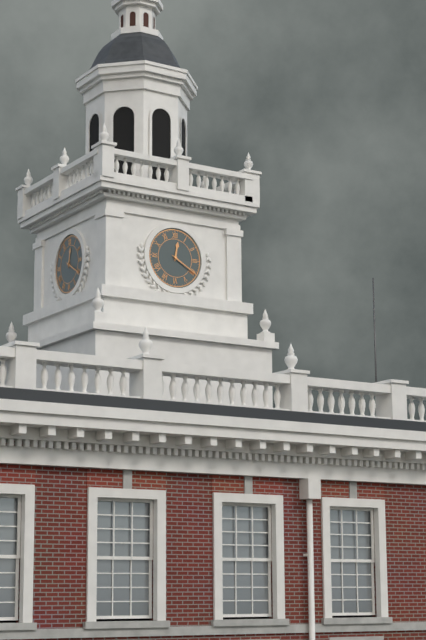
{"hour": 12, "minute": 20}
